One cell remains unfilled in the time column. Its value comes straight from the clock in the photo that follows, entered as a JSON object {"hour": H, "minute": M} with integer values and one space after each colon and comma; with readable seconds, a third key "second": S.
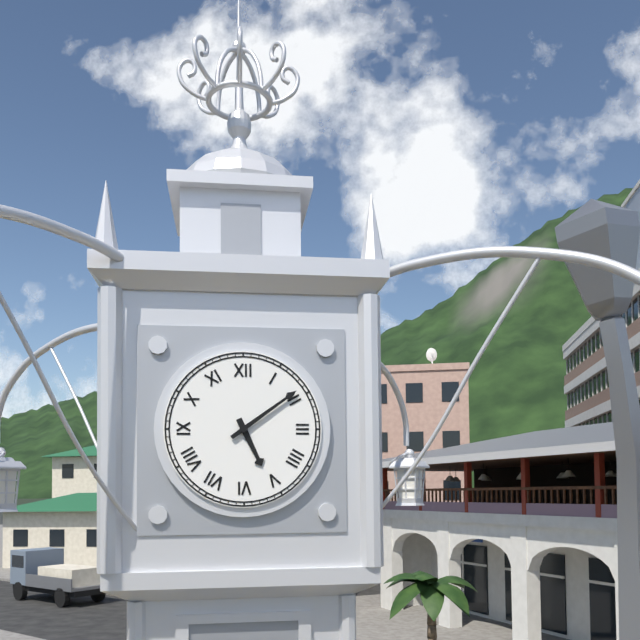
{"hour": 5, "minute": 9}
